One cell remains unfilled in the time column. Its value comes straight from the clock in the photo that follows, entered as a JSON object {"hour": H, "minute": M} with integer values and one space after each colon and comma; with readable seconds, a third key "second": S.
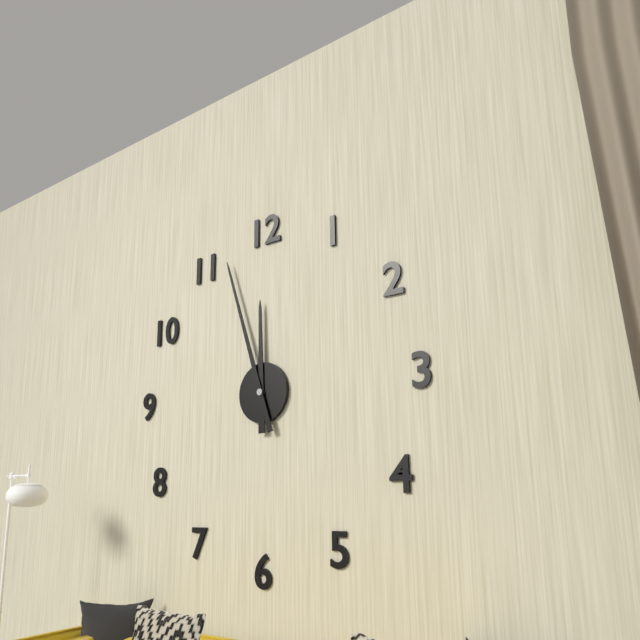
{"hour": 11, "minute": 57}
